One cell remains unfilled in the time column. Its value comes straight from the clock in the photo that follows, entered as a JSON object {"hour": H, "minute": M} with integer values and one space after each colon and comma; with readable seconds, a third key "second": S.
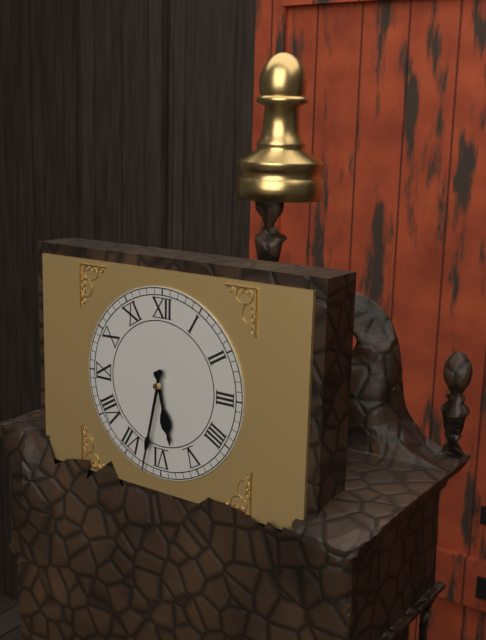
{"hour": 5, "minute": 32}
